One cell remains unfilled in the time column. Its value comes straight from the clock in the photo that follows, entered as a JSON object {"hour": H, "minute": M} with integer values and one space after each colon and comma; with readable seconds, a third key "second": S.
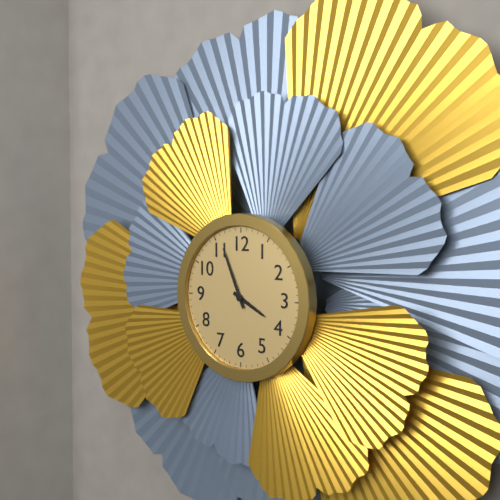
{"hour": 3, "minute": 56}
